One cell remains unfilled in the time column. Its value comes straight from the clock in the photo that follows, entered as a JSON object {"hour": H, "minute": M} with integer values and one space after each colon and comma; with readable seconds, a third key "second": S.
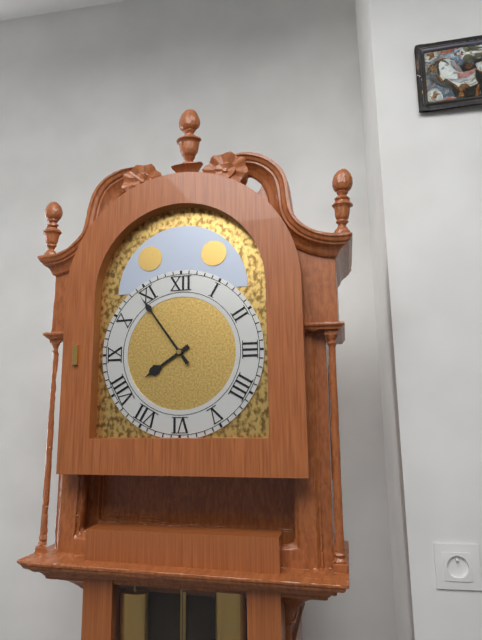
{"hour": 7, "minute": 54}
